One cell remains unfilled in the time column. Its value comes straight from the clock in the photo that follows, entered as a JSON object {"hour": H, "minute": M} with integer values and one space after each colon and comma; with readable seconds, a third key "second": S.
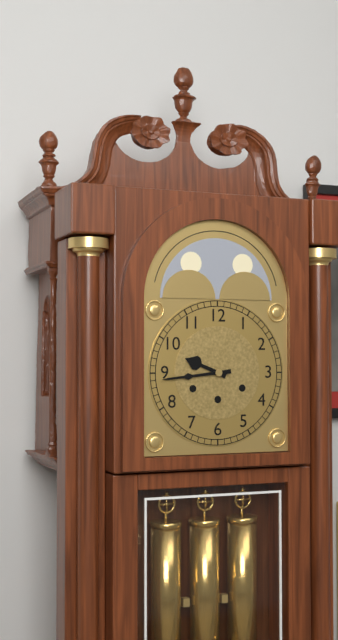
{"hour": 9, "minute": 44}
